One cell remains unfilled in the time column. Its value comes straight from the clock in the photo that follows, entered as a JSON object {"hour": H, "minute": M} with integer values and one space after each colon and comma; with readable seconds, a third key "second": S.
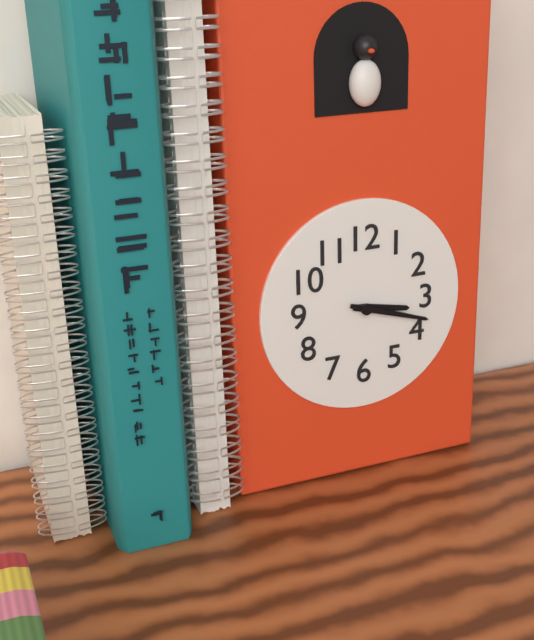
{"hour": 3, "minute": 18}
